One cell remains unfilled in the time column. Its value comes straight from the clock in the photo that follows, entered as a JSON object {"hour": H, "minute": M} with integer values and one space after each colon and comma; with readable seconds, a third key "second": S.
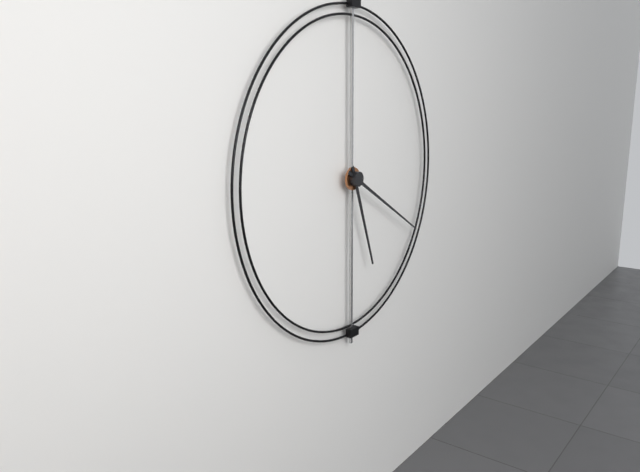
{"hour": 5, "minute": 20}
